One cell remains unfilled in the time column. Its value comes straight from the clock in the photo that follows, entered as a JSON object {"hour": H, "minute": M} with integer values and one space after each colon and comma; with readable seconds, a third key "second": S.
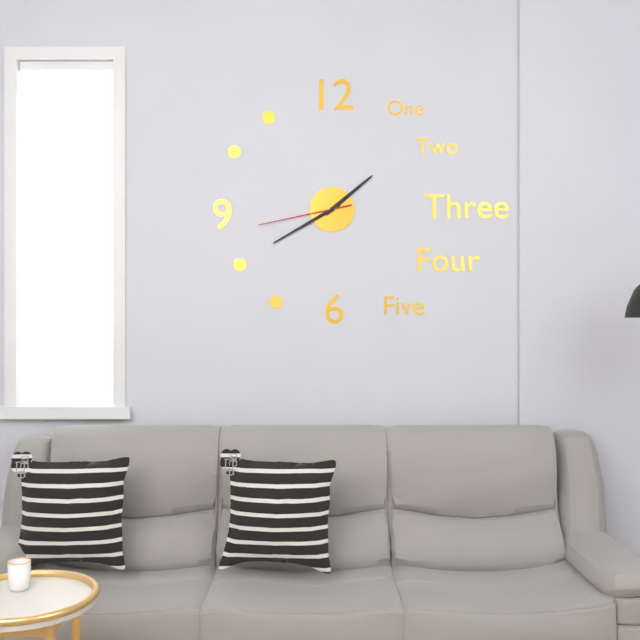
{"hour": 1, "minute": 40, "second": 43}
